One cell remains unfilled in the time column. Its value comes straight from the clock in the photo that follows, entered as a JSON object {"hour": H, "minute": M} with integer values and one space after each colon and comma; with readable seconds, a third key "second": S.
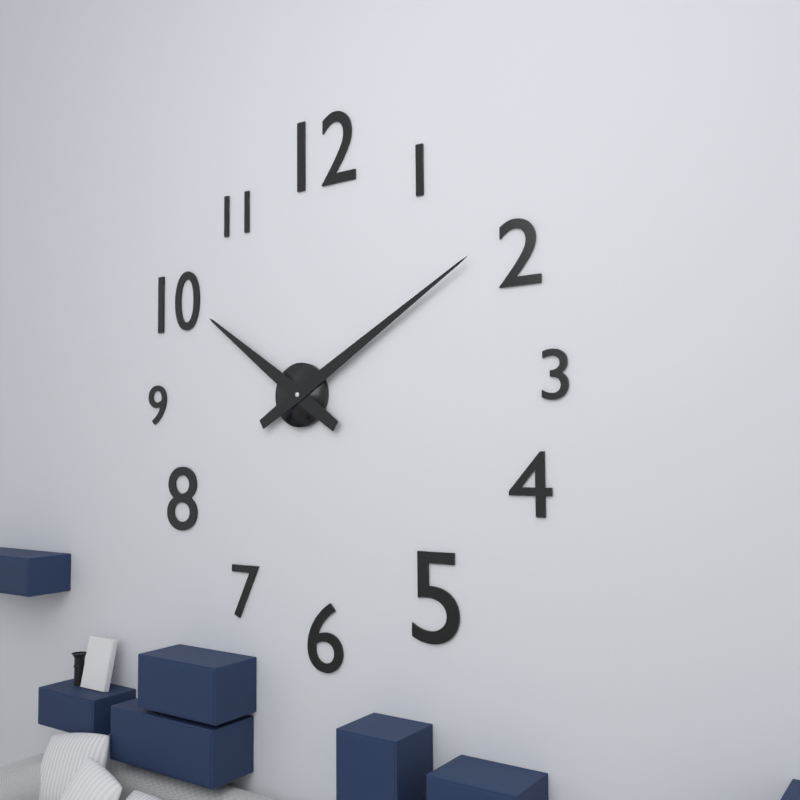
{"hour": 10, "minute": 10}
